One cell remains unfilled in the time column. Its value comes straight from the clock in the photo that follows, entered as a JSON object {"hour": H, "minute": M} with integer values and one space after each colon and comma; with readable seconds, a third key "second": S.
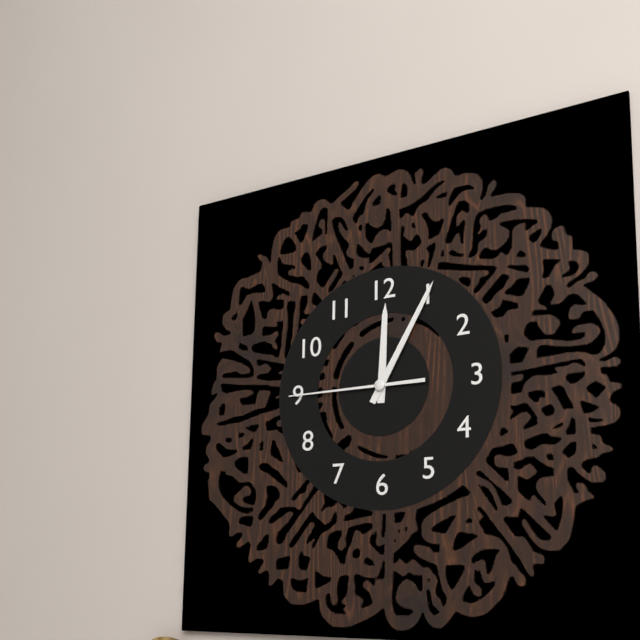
{"hour": 12, "minute": 5, "second": 45}
